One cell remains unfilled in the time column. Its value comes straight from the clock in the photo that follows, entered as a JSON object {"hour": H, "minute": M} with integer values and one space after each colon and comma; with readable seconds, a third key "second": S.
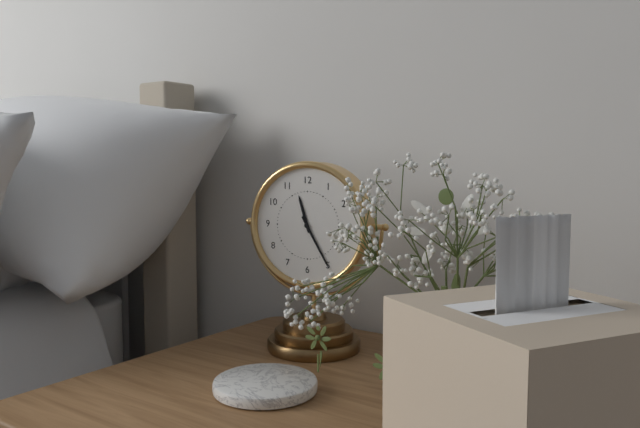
{"hour": 11, "minute": 25}
